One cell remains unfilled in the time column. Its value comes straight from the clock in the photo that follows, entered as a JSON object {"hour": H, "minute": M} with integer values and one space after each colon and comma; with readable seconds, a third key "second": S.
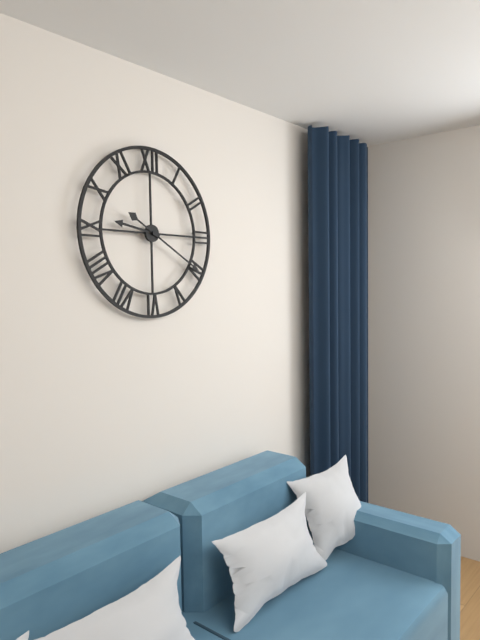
{"hour": 9, "minute": 20}
